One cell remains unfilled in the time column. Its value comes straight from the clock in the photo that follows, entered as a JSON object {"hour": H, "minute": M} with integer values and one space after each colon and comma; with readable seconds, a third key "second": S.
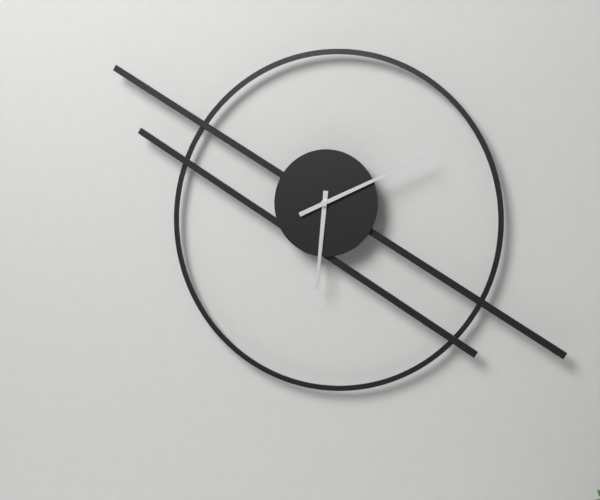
{"hour": 6, "minute": 11}
